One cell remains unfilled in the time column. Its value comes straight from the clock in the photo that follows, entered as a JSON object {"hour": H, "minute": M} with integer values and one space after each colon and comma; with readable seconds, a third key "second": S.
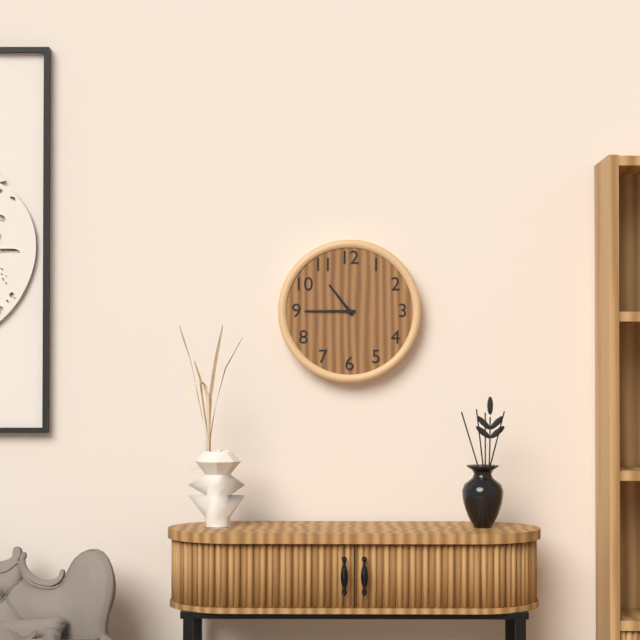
{"hour": 10, "minute": 45}
